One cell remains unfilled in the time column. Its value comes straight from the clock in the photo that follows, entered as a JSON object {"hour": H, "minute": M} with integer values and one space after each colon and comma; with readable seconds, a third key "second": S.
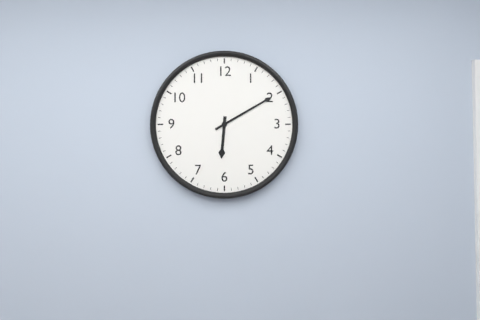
{"hour": 6, "minute": 10}
